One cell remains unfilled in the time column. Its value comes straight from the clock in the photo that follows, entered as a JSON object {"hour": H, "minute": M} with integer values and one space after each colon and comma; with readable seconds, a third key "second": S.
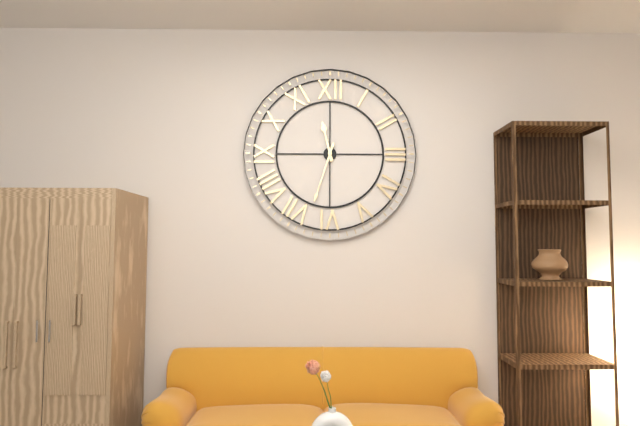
{"hour": 11, "minute": 33}
